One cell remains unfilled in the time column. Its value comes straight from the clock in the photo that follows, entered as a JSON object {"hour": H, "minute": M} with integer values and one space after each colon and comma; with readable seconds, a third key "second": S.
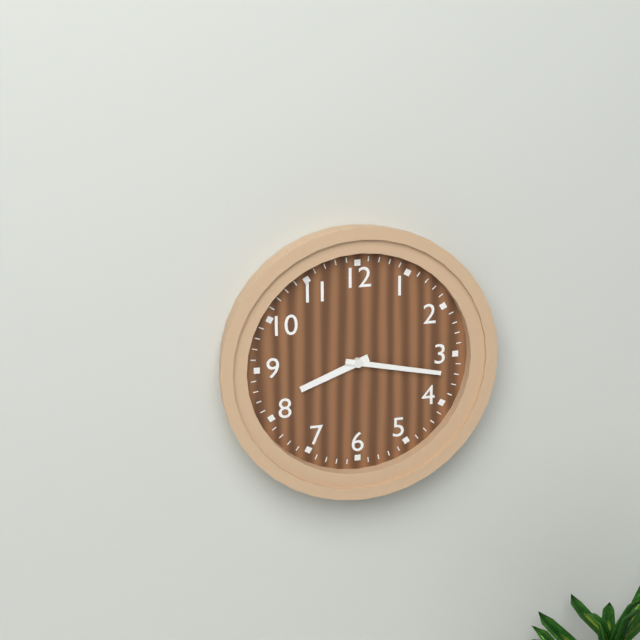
{"hour": 8, "minute": 17}
